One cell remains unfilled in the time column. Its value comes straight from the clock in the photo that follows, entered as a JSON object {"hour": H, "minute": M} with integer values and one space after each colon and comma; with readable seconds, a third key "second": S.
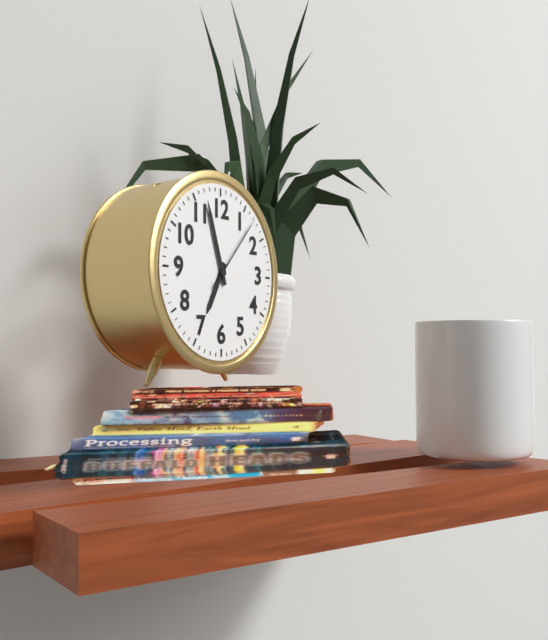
{"hour": 6, "minute": 57, "second": 7}
